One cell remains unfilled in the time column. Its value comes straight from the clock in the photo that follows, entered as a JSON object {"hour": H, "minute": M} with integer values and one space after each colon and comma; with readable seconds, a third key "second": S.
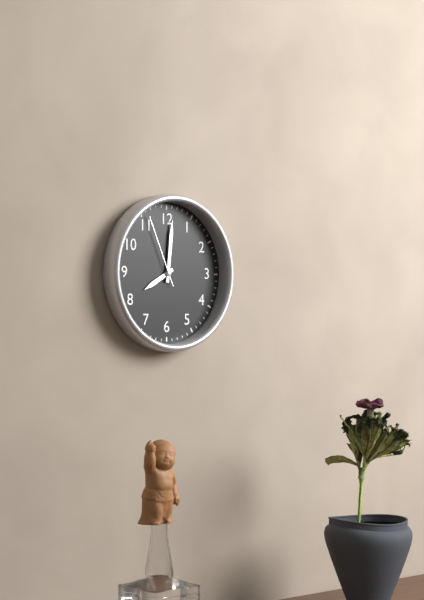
{"hour": 8, "minute": 1, "second": 56}
